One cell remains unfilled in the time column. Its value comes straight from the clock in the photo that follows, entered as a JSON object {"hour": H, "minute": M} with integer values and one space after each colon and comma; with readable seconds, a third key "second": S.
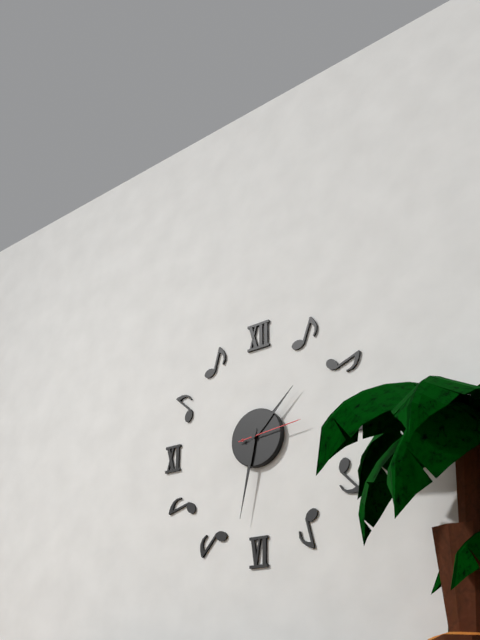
{"hour": 1, "minute": 32, "second": 14}
